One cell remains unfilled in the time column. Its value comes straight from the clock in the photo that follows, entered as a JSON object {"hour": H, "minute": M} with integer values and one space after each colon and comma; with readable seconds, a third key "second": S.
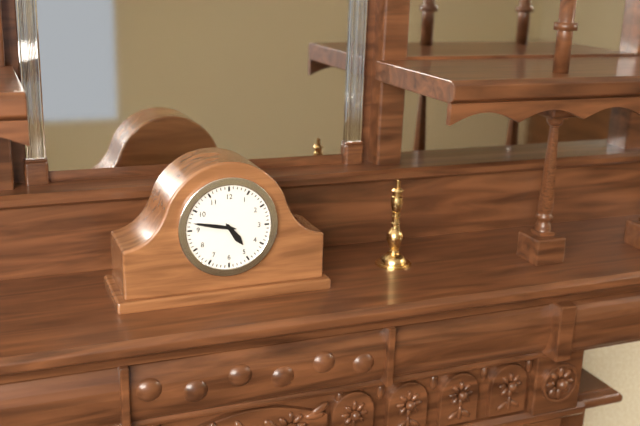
{"hour": 4, "minute": 47}
